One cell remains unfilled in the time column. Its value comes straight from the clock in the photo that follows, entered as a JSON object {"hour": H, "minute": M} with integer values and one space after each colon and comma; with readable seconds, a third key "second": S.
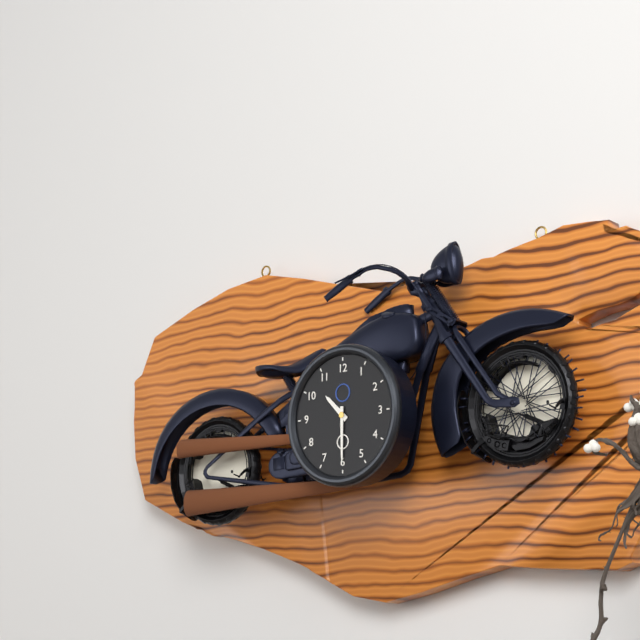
{"hour": 10, "minute": 30}
